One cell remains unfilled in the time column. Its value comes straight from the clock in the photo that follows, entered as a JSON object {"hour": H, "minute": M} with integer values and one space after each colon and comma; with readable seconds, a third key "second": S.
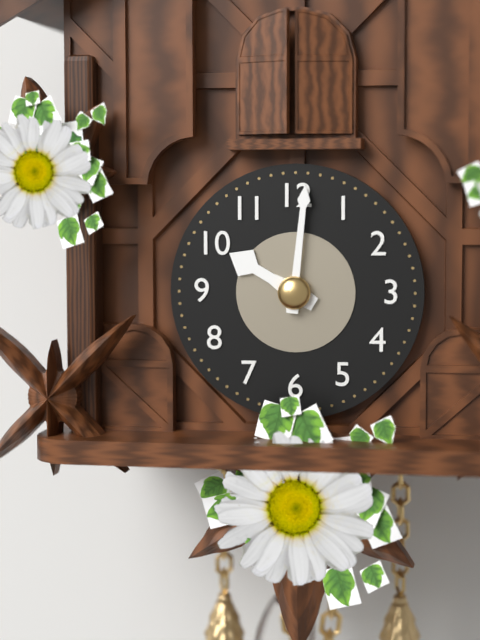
{"hour": 10, "minute": 1}
